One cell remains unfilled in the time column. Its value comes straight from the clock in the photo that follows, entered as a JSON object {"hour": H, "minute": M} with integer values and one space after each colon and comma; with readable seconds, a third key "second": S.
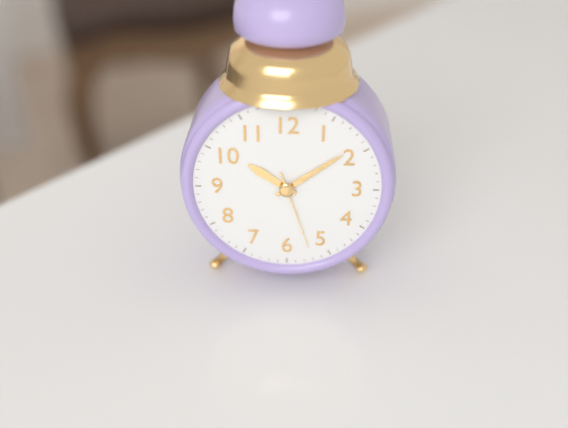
{"hour": 10, "minute": 9, "second": 27}
